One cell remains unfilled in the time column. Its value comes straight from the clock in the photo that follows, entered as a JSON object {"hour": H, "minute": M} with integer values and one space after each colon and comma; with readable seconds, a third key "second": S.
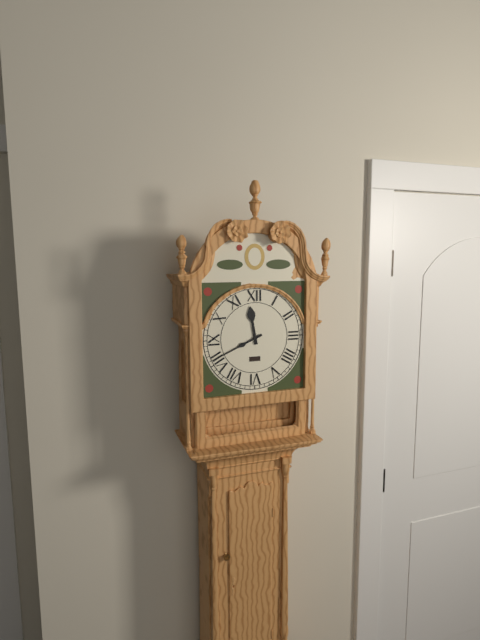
{"hour": 11, "minute": 41}
